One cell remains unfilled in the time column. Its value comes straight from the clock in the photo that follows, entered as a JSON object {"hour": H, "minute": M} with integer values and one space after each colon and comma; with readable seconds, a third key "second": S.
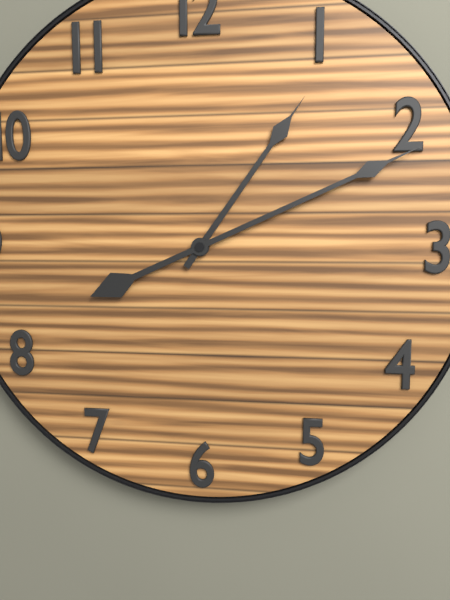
{"hour": 1, "minute": 11}
